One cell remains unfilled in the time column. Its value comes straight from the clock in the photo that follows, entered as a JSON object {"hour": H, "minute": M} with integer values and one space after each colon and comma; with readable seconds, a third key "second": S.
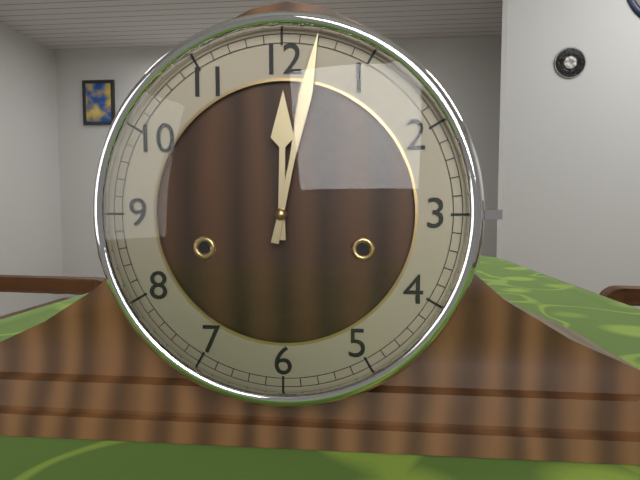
{"hour": 12, "minute": 2}
